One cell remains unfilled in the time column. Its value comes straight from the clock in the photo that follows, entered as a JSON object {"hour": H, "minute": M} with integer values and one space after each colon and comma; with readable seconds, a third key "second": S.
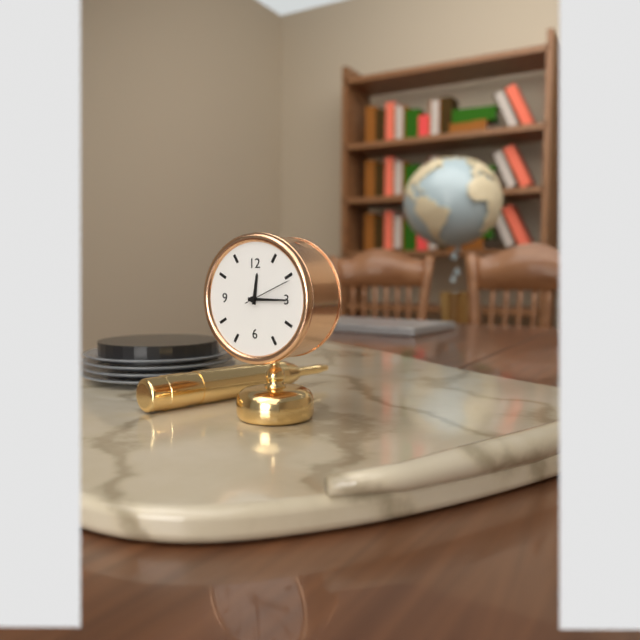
{"hour": 12, "minute": 15, "second": 11}
